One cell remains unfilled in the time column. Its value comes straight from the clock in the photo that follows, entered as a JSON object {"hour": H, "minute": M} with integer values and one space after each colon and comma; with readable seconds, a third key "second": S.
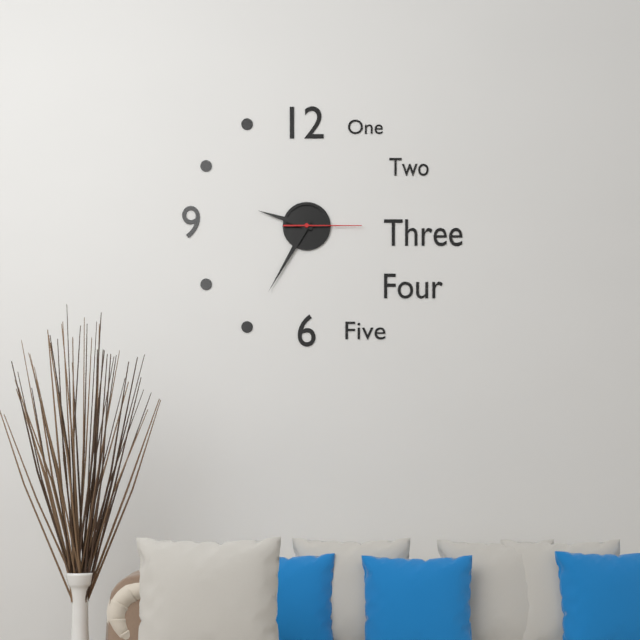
{"hour": 9, "minute": 35, "second": 15}
